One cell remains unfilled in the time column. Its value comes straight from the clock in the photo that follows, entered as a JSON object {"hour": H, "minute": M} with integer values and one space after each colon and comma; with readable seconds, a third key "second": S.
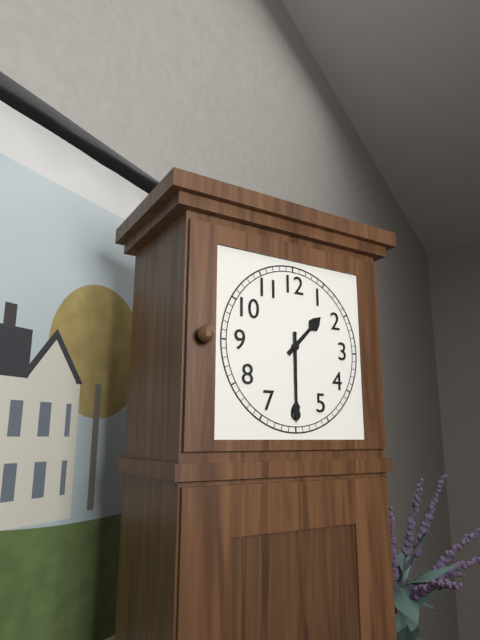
{"hour": 1, "minute": 30}
